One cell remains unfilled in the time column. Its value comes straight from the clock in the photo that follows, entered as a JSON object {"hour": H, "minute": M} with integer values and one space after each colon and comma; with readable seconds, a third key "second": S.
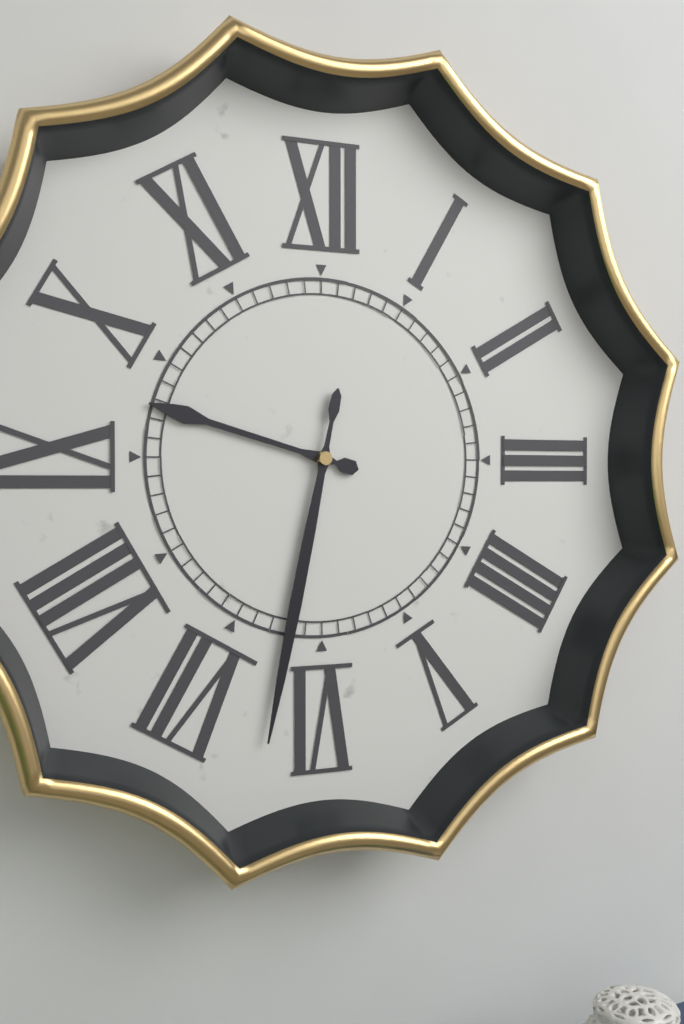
{"hour": 9, "minute": 32}
